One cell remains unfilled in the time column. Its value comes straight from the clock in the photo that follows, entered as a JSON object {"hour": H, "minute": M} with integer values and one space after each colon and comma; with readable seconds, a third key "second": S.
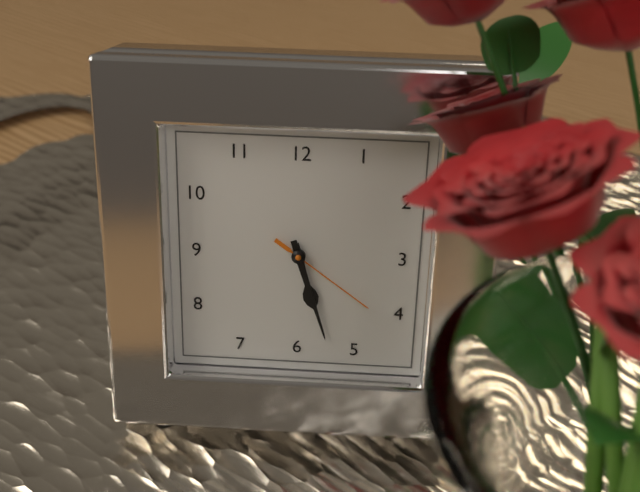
{"hour": 5, "minute": 27, "second": 21}
